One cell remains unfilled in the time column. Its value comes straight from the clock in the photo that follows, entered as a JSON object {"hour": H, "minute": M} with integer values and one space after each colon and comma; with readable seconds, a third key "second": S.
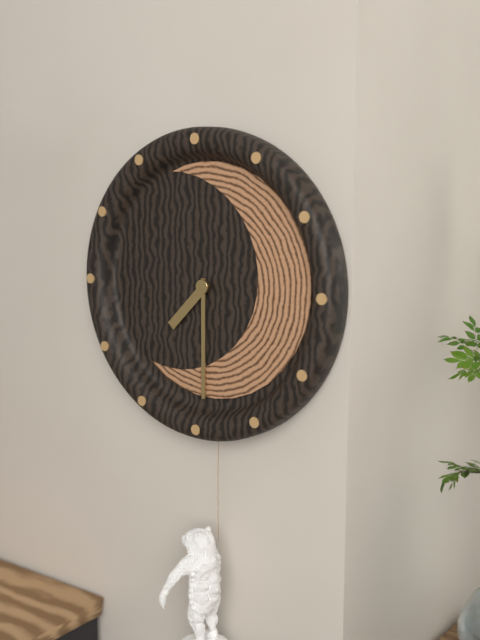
{"hour": 7, "minute": 30}
